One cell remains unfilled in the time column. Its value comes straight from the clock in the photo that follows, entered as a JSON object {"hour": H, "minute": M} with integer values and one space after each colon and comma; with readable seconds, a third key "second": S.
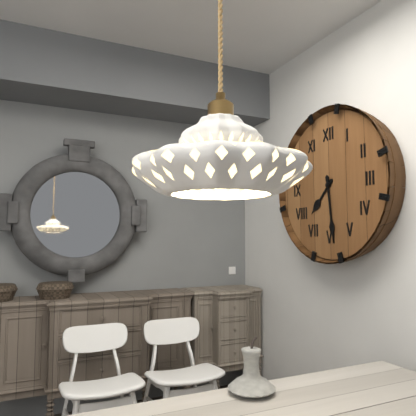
{"hour": 7, "minute": 29}
